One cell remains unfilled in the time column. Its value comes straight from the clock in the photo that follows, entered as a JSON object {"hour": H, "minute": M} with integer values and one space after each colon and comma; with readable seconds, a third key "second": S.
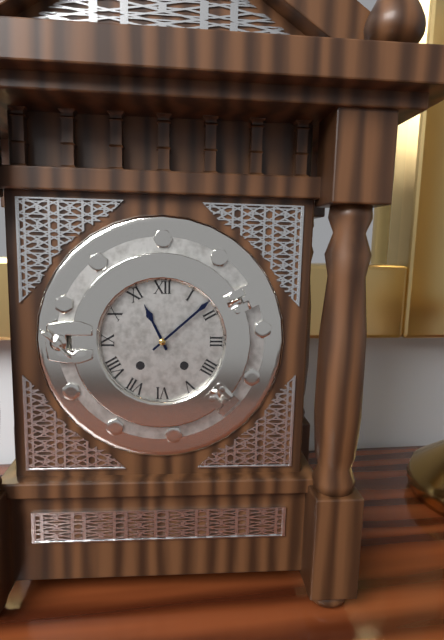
{"hour": 11, "minute": 8}
